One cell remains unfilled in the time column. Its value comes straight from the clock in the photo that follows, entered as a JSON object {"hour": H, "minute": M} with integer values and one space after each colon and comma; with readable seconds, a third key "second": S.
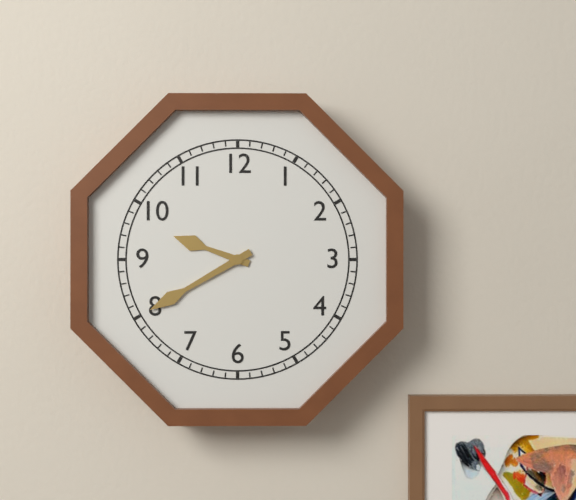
{"hour": 9, "minute": 40}
